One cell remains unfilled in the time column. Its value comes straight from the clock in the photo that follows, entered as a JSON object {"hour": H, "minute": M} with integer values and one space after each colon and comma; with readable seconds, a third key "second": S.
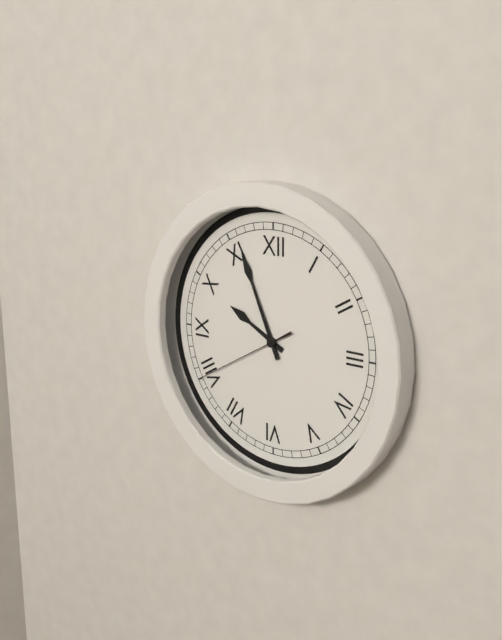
{"hour": 9, "minute": 56, "second": 40}
